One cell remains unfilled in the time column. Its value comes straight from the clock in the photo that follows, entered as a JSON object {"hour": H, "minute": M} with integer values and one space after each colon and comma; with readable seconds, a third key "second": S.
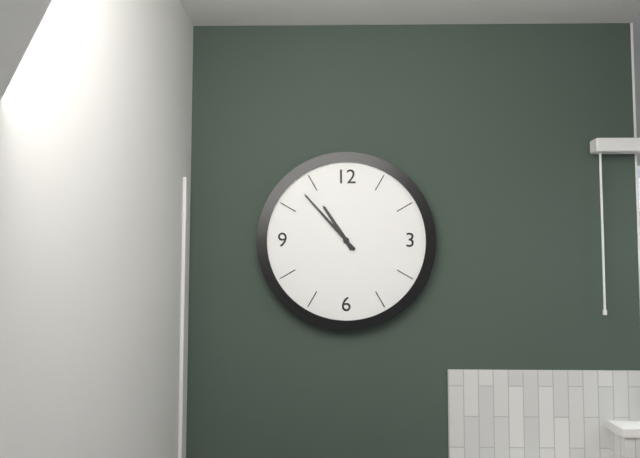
{"hour": 10, "minute": 53}
